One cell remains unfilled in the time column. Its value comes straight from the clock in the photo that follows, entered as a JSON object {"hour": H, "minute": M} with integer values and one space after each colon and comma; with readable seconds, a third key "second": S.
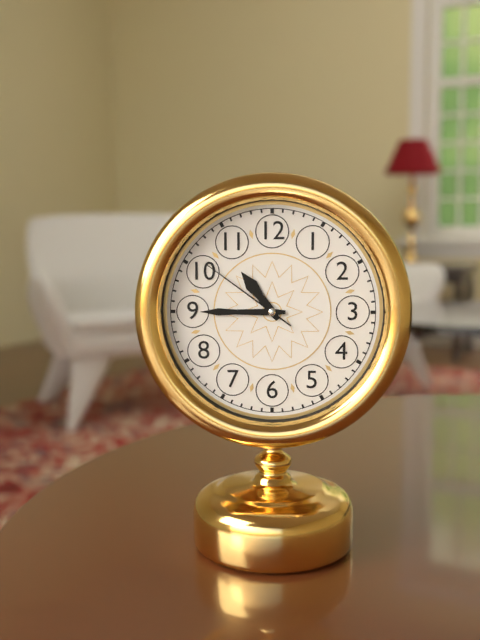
{"hour": 10, "minute": 45, "second": 51}
